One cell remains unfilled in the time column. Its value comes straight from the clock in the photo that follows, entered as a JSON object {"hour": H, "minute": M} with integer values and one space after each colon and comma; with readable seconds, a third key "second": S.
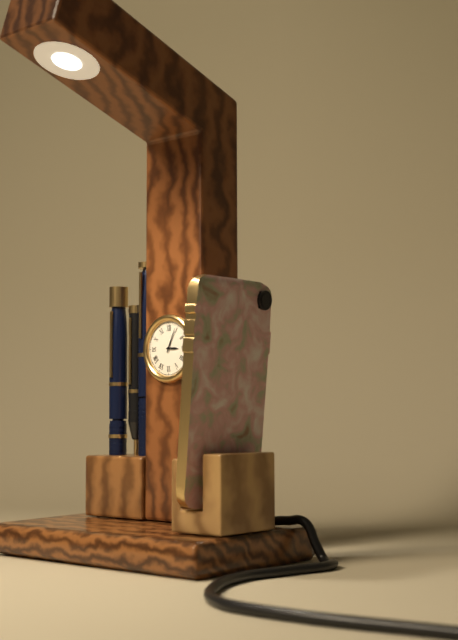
{"hour": 3, "minute": 4}
